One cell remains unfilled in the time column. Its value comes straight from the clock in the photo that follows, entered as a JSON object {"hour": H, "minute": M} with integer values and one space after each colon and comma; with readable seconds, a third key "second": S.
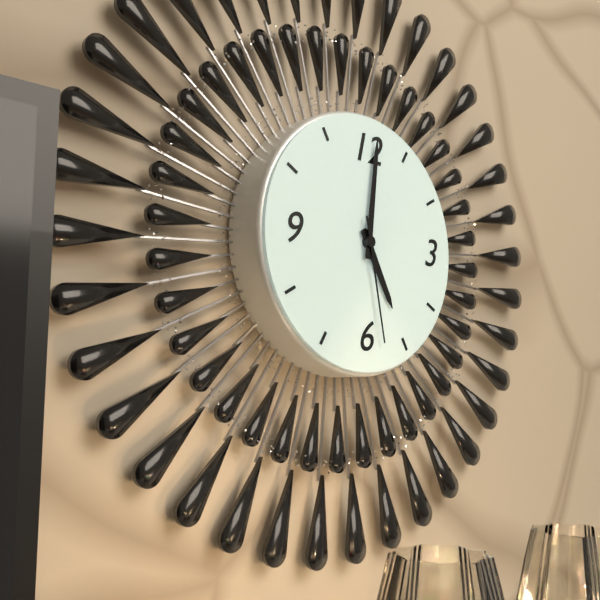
{"hour": 5, "minute": 1, "second": 28}
